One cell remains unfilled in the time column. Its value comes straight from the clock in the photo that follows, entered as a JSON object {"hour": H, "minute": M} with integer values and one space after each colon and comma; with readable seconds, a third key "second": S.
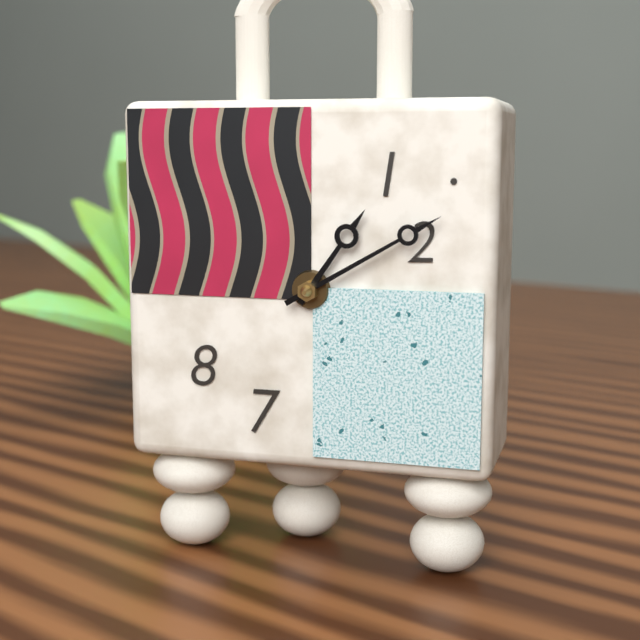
{"hour": 1, "minute": 10}
